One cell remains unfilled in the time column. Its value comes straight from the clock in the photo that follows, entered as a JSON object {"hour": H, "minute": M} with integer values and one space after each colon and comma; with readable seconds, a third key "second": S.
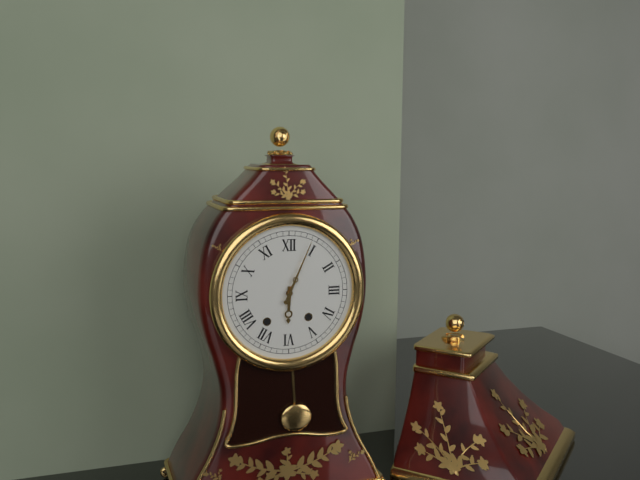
{"hour": 6, "minute": 4}
